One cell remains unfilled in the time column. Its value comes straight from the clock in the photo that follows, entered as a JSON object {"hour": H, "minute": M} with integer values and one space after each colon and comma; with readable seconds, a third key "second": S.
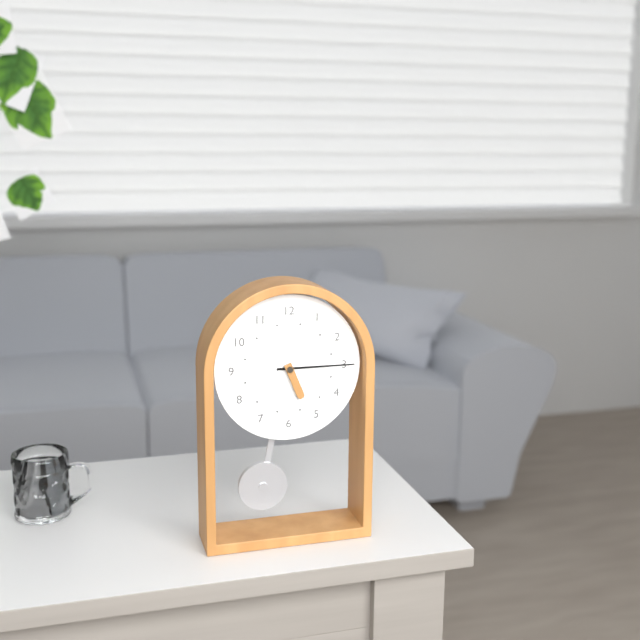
{"hour": 5, "minute": 15}
